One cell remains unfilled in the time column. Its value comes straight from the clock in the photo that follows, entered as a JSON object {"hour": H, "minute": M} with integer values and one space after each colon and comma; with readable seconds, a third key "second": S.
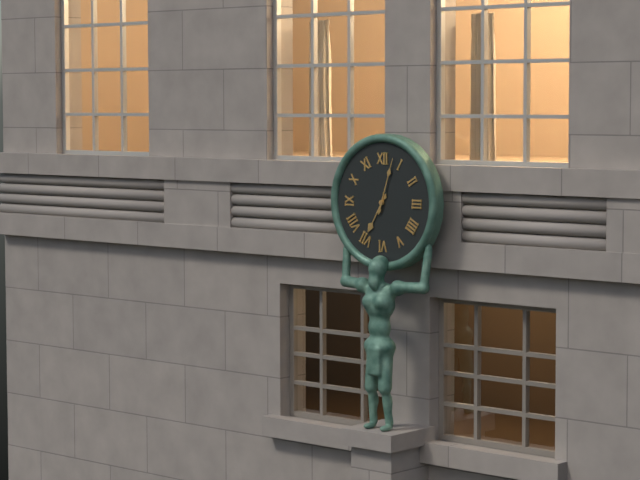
{"hour": 7, "minute": 3}
